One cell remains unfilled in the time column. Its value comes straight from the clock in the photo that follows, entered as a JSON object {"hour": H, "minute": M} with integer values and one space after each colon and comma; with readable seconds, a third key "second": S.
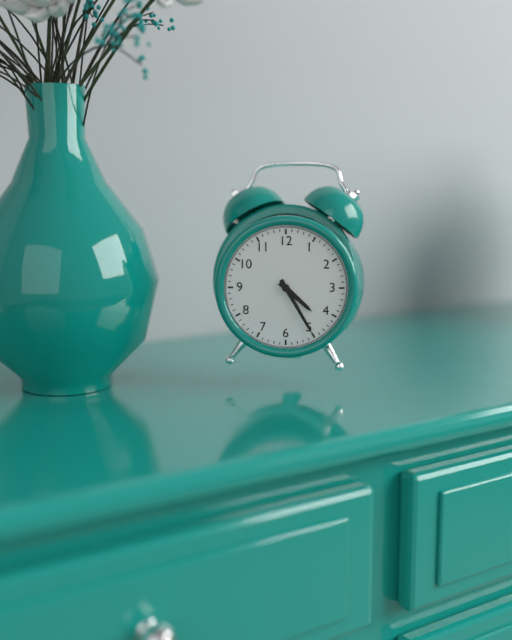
{"hour": 4, "minute": 25}
